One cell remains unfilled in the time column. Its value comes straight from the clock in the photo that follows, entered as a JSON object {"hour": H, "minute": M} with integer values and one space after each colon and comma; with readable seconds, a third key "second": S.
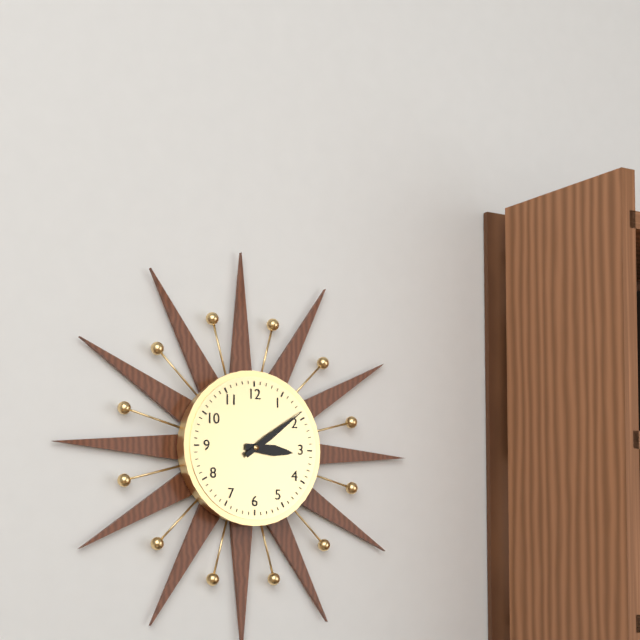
{"hour": 3, "minute": 9}
